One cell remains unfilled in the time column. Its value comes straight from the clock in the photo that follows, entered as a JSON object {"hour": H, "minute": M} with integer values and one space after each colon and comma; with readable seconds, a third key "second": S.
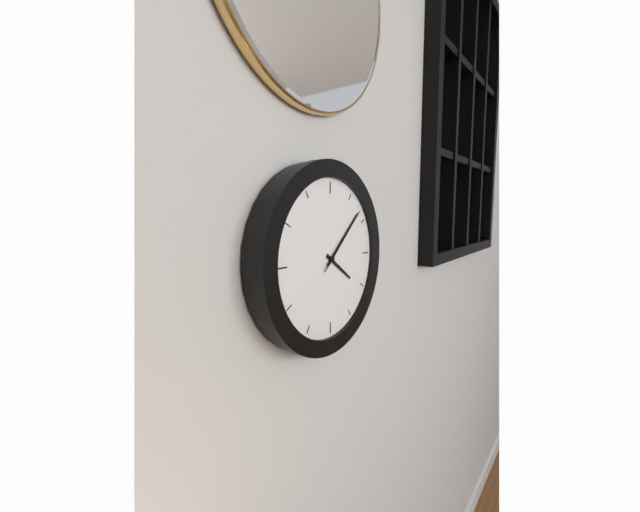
{"hour": 4, "minute": 8, "second": 8}
